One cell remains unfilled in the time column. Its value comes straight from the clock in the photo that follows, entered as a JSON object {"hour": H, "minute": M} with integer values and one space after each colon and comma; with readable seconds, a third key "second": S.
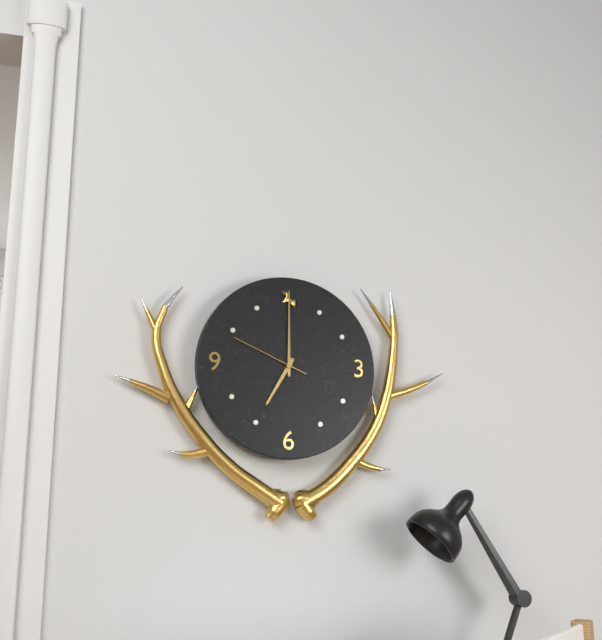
{"hour": 7, "minute": 0, "second": 49}
